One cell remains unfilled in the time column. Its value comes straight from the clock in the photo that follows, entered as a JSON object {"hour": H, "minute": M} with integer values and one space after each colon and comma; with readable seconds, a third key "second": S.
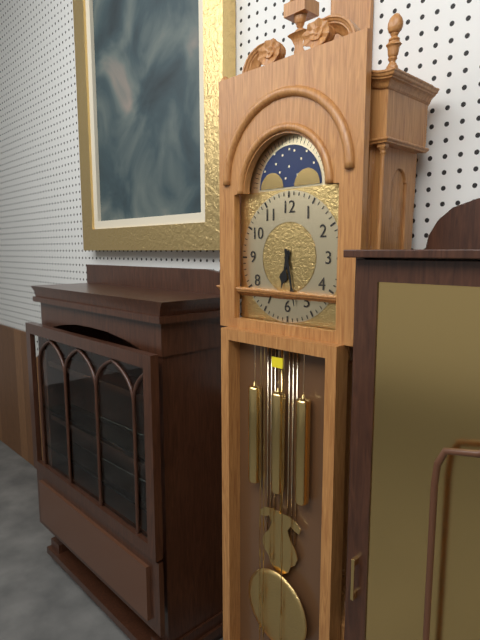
{"hour": 6, "minute": 28}
